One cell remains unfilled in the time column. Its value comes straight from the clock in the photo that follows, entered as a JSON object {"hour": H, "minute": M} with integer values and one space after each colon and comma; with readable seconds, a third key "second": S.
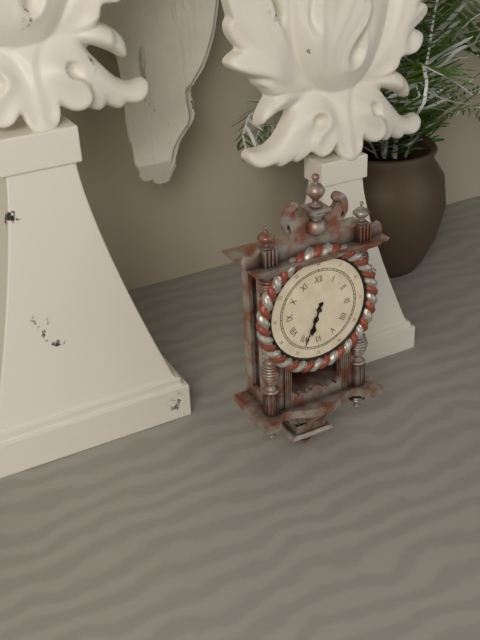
{"hour": 6, "minute": 34}
